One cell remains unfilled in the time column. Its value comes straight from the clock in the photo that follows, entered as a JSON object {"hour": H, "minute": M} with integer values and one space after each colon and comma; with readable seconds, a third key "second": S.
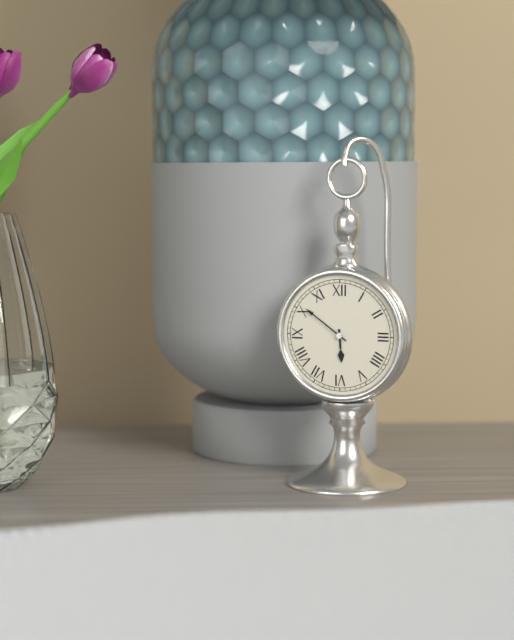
{"hour": 5, "minute": 51}
